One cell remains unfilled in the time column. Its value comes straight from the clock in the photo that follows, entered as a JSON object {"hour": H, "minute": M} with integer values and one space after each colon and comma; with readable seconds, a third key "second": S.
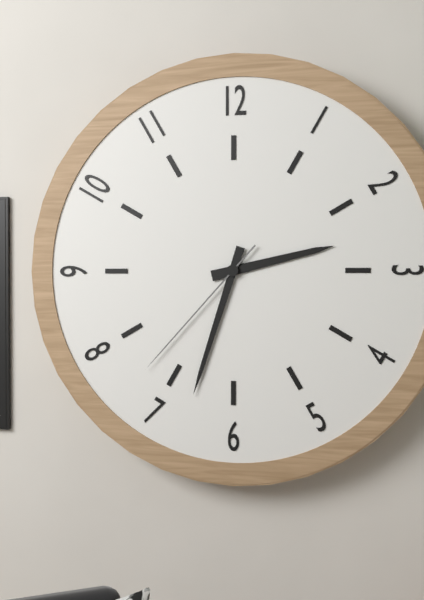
{"hour": 2, "minute": 33, "second": 37}
